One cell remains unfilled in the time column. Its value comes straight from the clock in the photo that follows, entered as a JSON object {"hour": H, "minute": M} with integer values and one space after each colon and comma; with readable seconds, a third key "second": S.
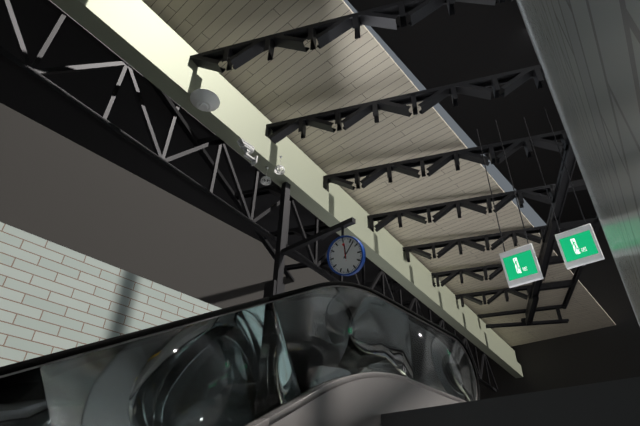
{"hour": 12, "minute": 7}
